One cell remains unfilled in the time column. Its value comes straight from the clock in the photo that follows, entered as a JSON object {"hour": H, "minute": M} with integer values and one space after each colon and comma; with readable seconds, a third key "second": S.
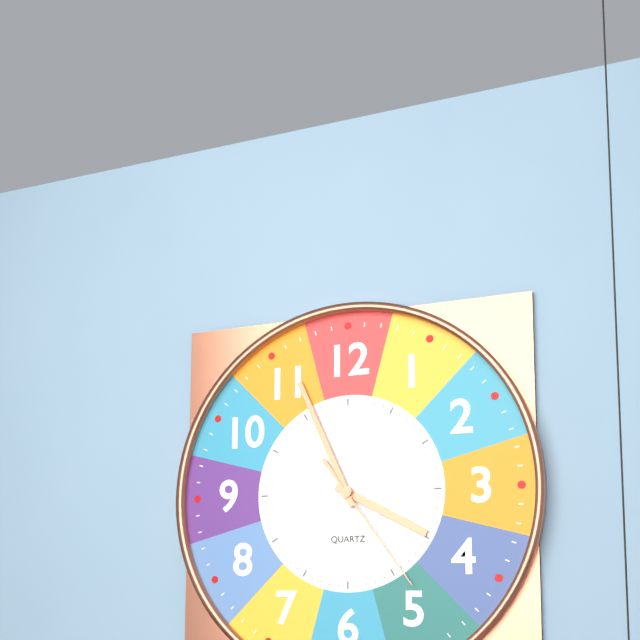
{"hour": 3, "minute": 56, "second": 24}
